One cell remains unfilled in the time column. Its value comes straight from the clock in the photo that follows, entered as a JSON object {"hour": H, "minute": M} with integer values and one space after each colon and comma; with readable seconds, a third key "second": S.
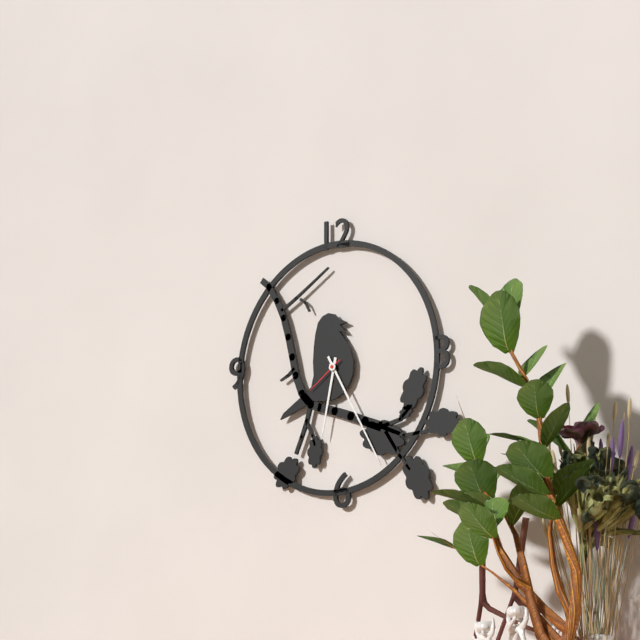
{"hour": 6, "minute": 25}
